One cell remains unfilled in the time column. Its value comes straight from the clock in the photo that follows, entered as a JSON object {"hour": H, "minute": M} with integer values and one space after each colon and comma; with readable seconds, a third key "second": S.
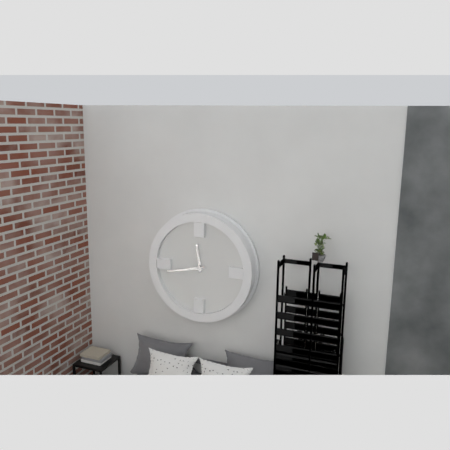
{"hour": 11, "minute": 43}
